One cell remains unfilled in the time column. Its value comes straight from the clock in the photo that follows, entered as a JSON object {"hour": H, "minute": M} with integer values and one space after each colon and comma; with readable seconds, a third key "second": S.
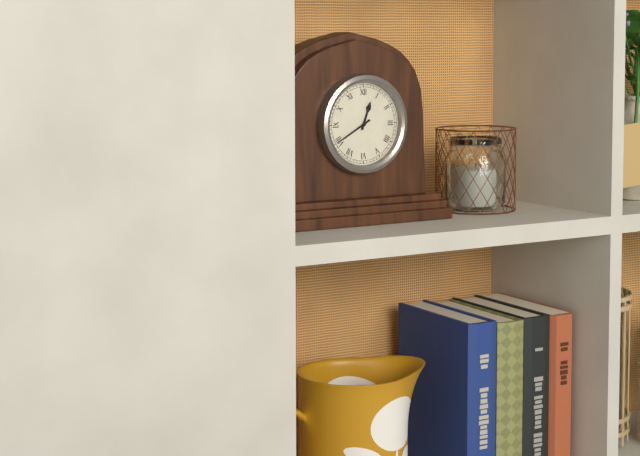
{"hour": 12, "minute": 40}
